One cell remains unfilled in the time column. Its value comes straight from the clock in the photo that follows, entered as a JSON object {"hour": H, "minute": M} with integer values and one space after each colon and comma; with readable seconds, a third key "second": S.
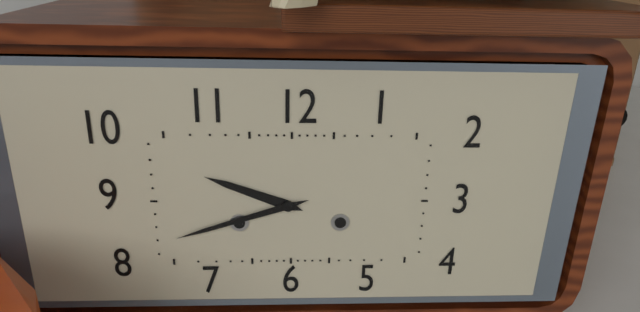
{"hour": 9, "minute": 42}
